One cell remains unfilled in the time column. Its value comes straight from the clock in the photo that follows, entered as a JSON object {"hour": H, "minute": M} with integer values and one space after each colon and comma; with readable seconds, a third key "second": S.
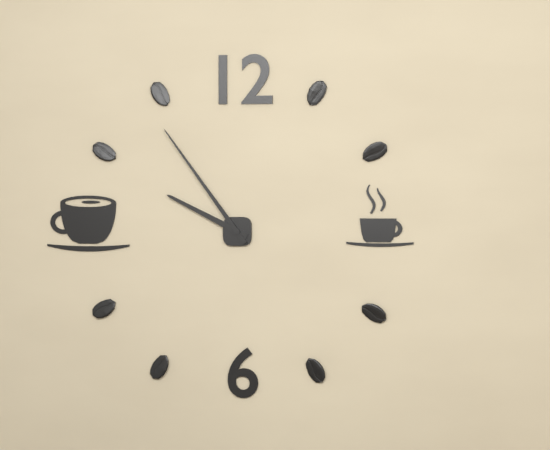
{"hour": 9, "minute": 54}
